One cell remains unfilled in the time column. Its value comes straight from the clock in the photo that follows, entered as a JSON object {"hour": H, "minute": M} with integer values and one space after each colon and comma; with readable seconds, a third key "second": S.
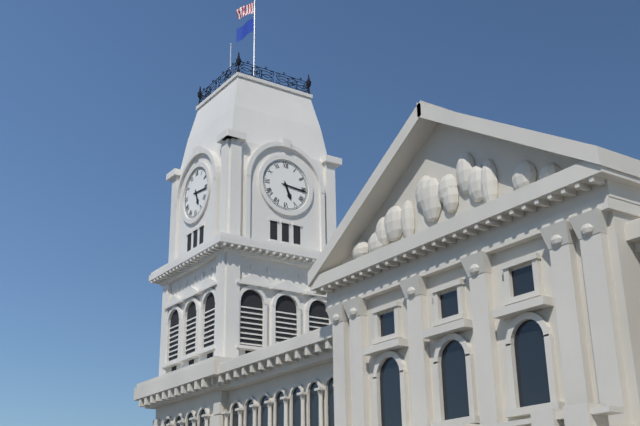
{"hour": 5, "minute": 16}
